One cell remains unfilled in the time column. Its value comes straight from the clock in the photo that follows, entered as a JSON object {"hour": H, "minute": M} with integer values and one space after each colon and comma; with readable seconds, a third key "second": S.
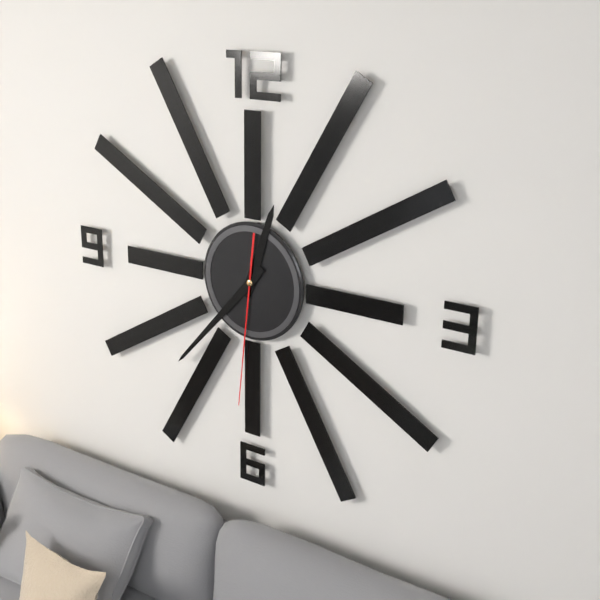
{"hour": 12, "minute": 37, "second": 31}
